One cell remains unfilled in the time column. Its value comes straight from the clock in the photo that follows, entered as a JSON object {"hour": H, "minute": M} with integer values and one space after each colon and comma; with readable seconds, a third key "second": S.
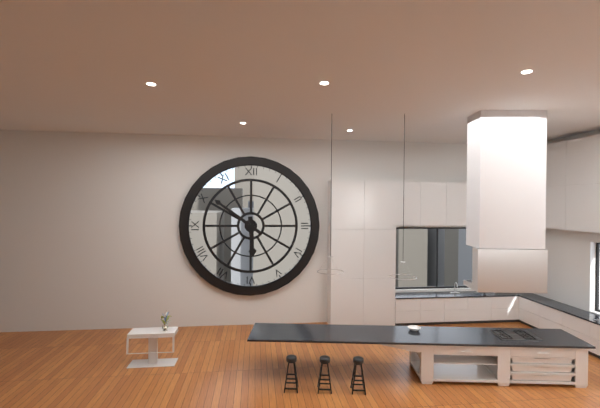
{"hour": 5, "minute": 51}
